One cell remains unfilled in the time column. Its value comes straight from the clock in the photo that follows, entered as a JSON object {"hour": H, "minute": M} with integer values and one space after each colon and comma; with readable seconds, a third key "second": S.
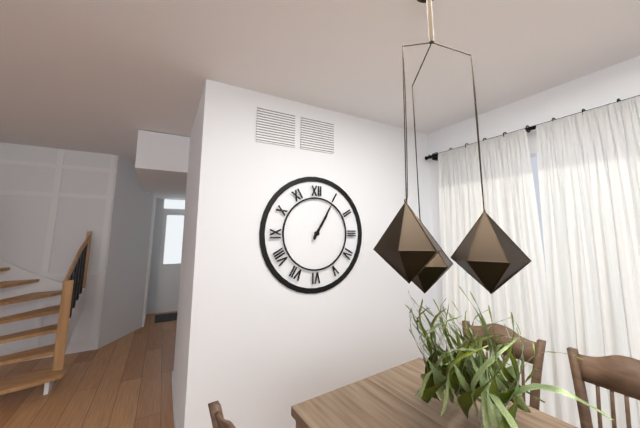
{"hour": 1, "minute": 5}
